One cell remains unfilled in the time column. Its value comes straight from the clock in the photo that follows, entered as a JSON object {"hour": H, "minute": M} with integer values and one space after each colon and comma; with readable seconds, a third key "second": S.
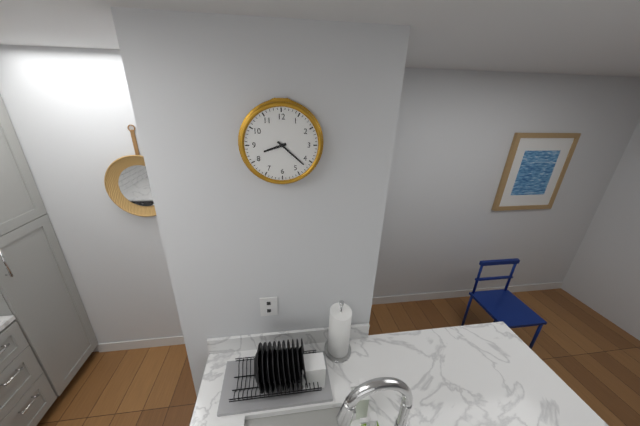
{"hour": 8, "minute": 22}
